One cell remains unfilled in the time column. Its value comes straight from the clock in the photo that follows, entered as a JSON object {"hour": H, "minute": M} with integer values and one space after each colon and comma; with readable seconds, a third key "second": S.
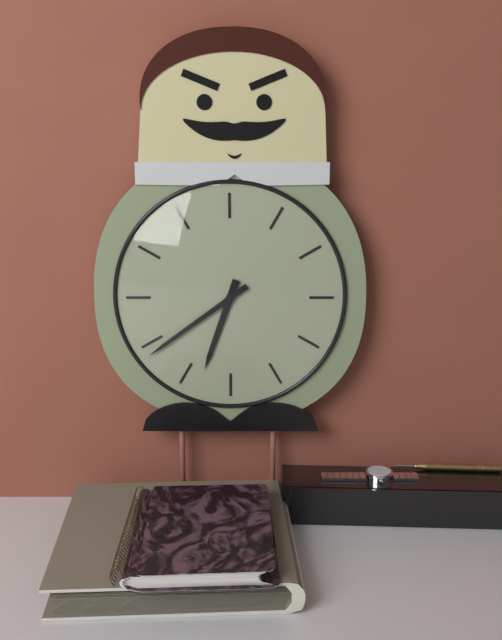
{"hour": 6, "minute": 39}
